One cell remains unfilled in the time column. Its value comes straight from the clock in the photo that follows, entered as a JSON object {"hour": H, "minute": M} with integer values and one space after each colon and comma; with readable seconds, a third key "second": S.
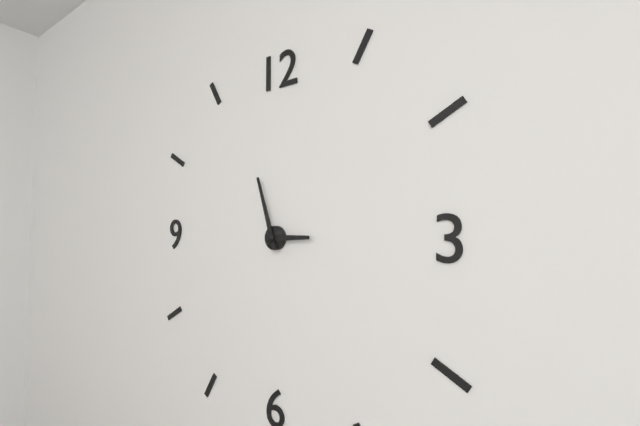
{"hour": 2, "minute": 57}
